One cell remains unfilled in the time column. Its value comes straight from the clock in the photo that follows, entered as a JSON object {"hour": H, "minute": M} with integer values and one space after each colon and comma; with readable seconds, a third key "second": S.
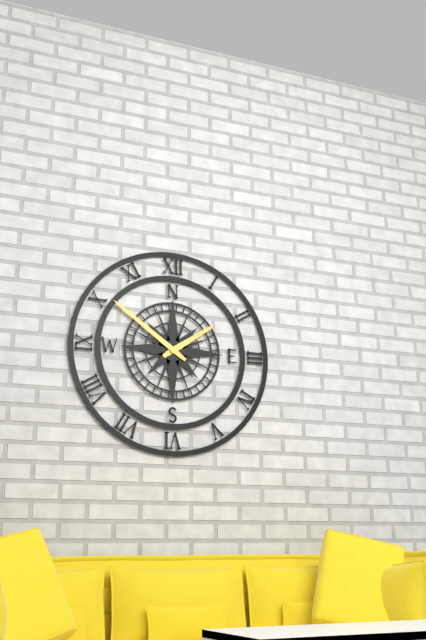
{"hour": 1, "minute": 51}
